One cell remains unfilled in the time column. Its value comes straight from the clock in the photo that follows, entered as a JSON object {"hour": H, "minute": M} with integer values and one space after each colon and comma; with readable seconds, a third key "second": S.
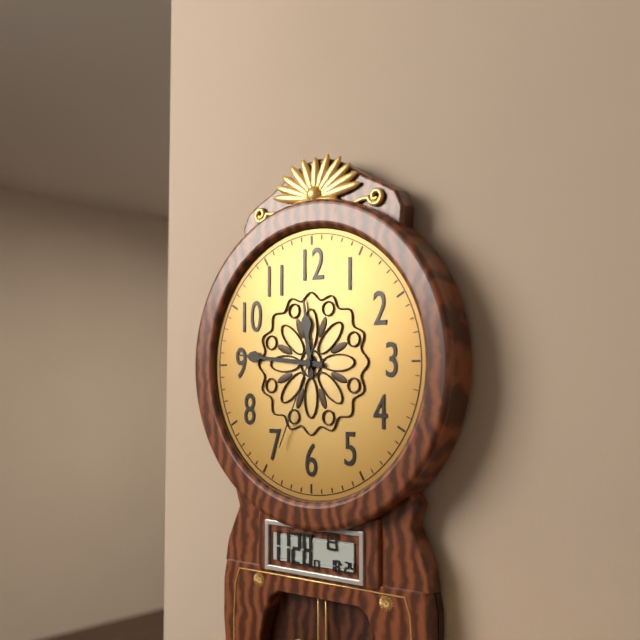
{"hour": 11, "minute": 46, "second": 34}
